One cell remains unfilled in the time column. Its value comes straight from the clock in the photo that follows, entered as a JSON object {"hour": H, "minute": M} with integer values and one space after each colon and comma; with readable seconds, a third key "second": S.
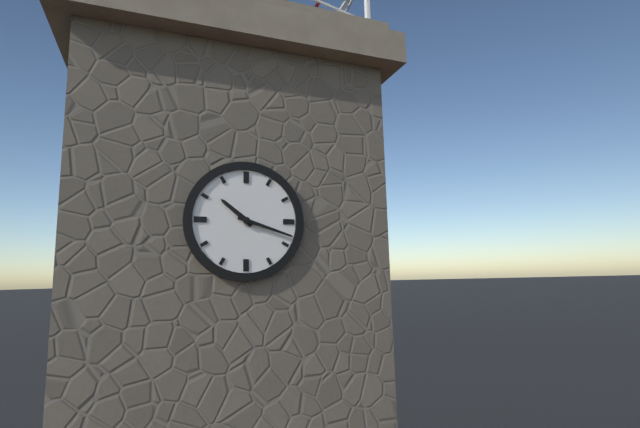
{"hour": 10, "minute": 18}
